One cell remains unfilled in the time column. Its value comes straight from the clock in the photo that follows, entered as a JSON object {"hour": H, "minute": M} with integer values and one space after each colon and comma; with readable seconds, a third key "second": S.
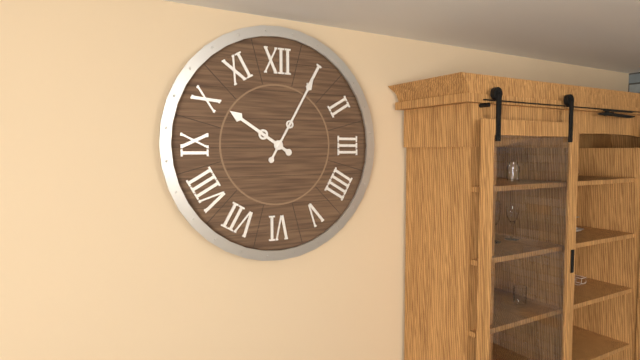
{"hour": 10, "minute": 5}
